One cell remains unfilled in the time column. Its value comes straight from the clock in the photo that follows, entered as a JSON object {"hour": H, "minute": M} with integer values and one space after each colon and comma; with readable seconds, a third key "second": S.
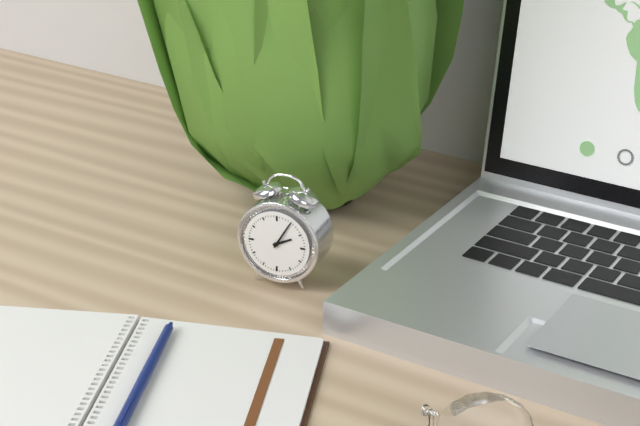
{"hour": 2, "minute": 5}
